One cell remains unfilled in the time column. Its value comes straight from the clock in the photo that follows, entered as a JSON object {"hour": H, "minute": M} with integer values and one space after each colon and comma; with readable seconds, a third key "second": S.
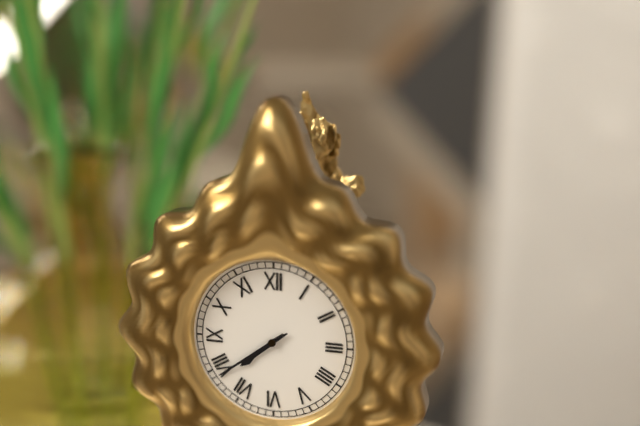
{"hour": 7, "minute": 39}
